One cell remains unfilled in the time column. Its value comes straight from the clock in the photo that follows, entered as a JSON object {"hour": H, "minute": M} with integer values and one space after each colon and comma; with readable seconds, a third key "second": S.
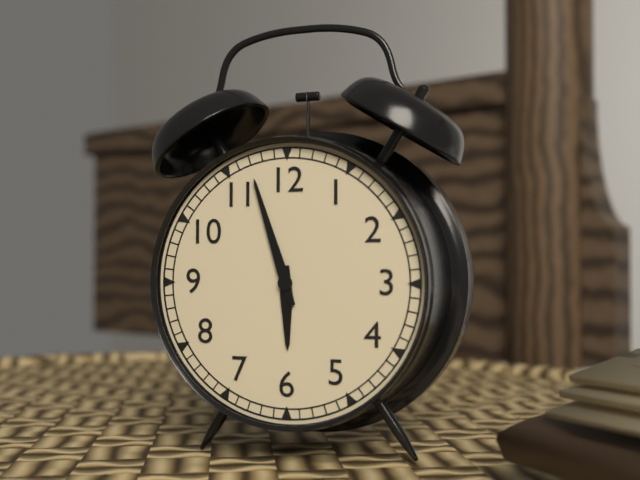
{"hour": 5, "minute": 57}
